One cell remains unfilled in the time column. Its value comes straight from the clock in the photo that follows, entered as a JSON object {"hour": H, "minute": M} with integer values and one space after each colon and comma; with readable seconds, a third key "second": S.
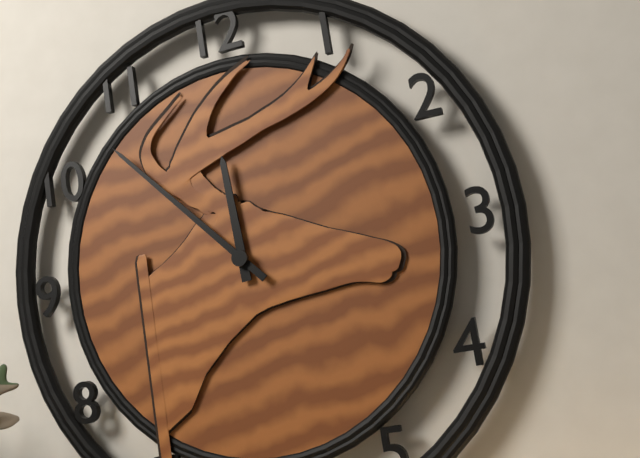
{"hour": 11, "minute": 53}
